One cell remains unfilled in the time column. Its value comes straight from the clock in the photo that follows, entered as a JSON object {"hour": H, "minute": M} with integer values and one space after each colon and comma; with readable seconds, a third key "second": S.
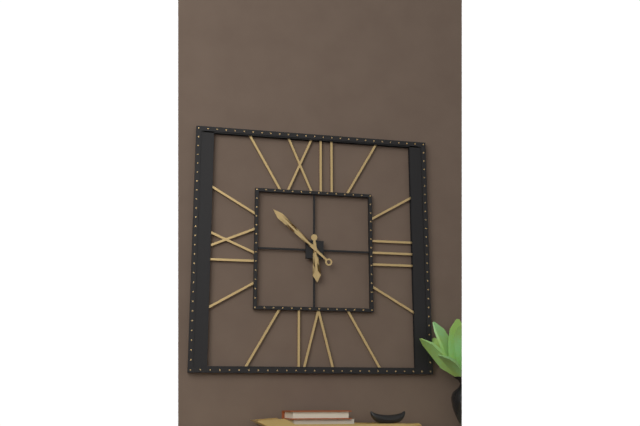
{"hour": 5, "minute": 52}
